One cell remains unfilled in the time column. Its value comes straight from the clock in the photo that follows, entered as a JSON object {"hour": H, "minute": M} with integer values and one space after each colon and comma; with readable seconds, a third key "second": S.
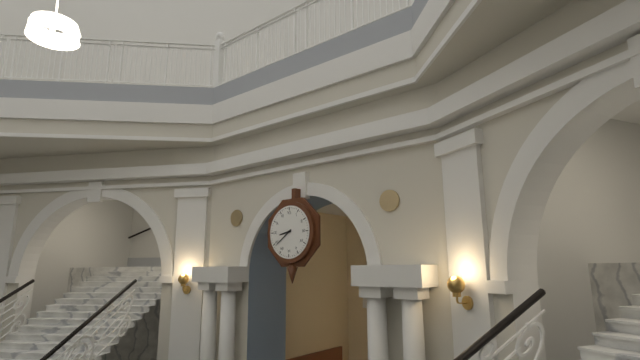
{"hour": 8, "minute": 39}
